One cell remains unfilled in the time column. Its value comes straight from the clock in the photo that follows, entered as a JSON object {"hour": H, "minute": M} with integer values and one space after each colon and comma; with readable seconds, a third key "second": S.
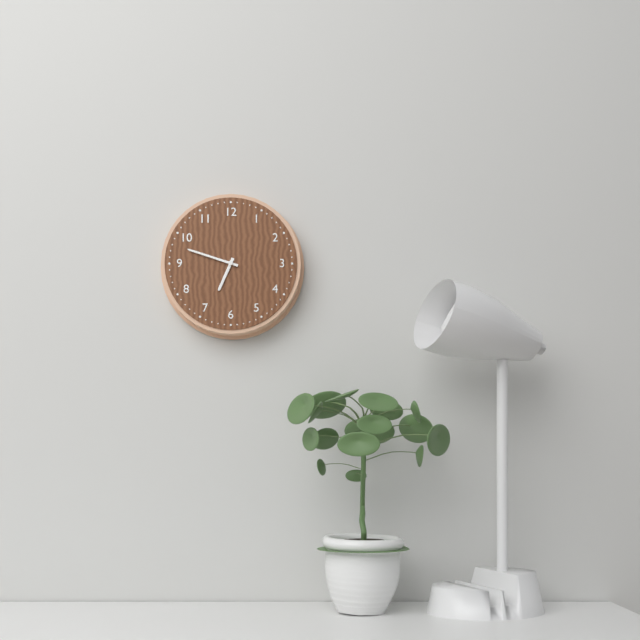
{"hour": 6, "minute": 48}
